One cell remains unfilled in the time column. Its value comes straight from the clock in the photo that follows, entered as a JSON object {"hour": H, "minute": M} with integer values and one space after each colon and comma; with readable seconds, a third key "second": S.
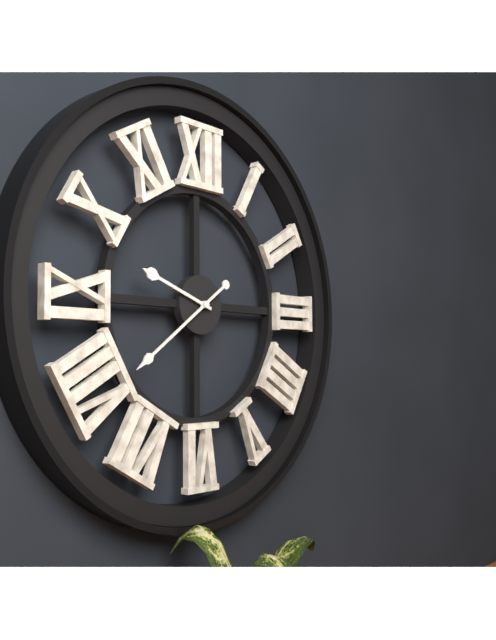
{"hour": 9, "minute": 39}
